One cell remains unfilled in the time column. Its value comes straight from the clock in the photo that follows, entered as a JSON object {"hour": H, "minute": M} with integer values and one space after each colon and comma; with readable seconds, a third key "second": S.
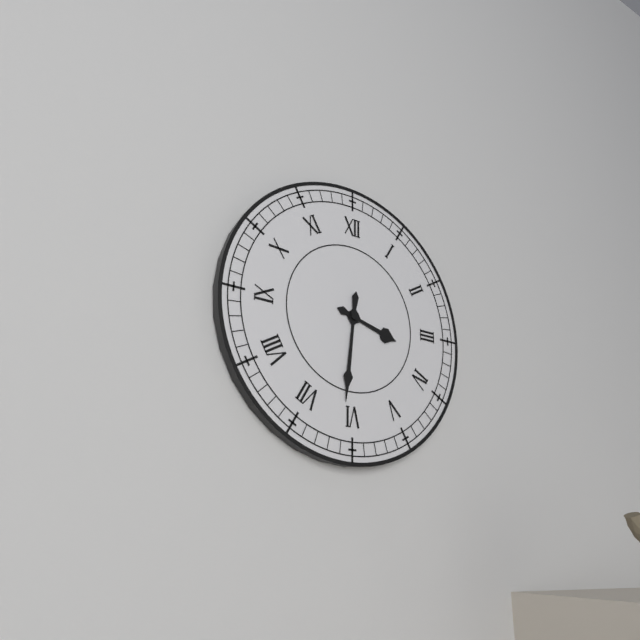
{"hour": 3, "minute": 31}
